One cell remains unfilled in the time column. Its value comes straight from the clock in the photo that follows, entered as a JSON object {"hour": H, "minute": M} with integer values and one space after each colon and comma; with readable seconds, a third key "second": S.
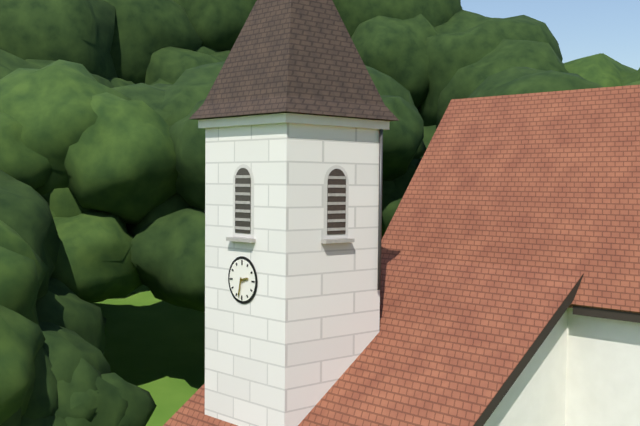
{"hour": 2, "minute": 32}
